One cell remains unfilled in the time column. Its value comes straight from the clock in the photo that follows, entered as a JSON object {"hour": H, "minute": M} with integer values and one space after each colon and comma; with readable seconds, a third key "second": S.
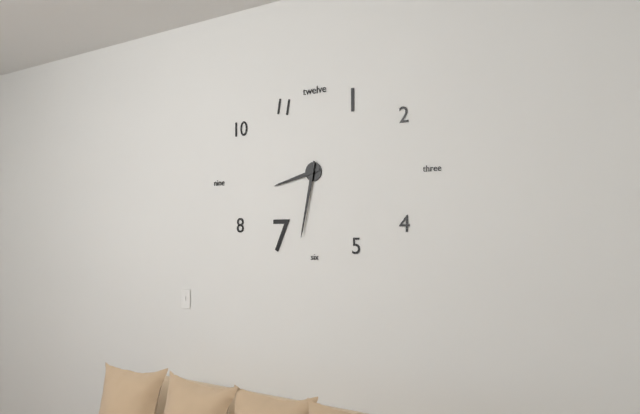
{"hour": 8, "minute": 32}
